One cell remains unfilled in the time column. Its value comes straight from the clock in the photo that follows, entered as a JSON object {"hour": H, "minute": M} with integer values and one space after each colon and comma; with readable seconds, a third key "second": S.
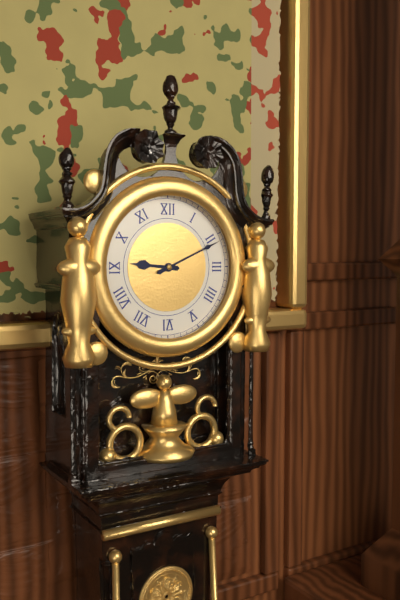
{"hour": 9, "minute": 11}
